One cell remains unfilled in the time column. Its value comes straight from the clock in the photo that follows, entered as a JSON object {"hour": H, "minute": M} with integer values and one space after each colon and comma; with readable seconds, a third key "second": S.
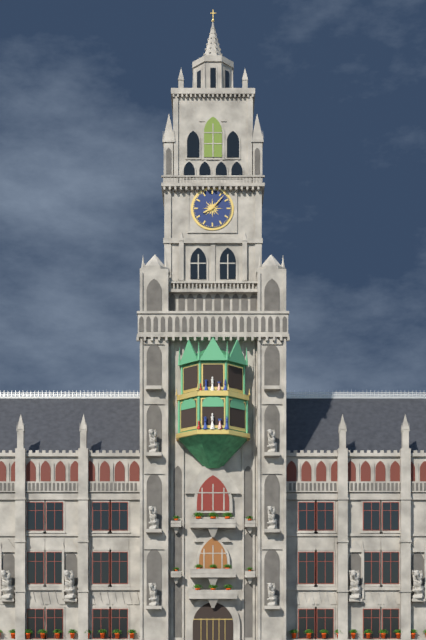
{"hour": 8, "minute": 7}
